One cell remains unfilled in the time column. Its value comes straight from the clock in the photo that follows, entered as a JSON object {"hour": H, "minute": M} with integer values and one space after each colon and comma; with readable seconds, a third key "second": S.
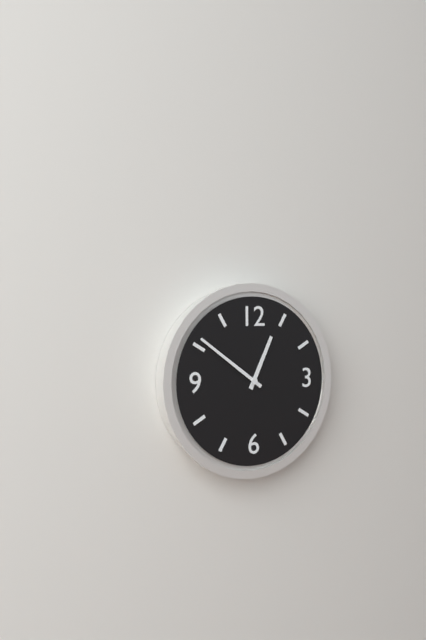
{"hour": 12, "minute": 51}
